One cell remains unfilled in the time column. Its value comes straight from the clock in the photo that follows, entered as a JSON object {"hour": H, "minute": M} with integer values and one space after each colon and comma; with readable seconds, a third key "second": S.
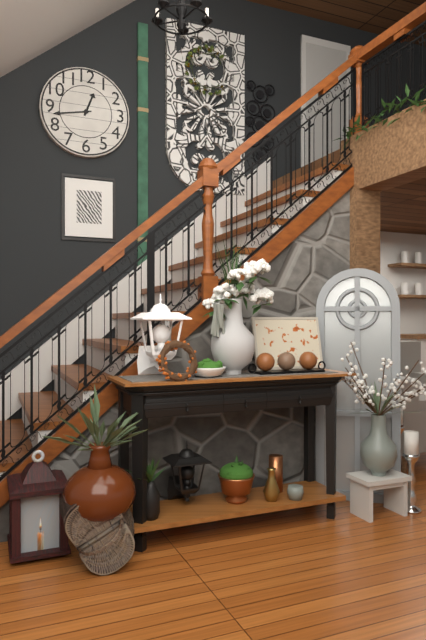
{"hour": 12, "minute": 43}
